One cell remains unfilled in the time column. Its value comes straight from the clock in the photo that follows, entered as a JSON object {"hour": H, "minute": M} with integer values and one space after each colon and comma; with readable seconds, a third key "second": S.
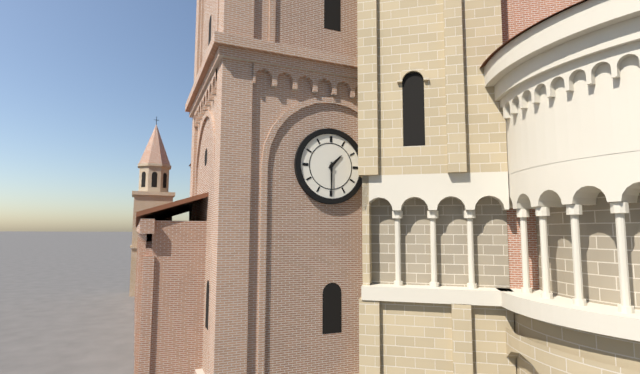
{"hour": 1, "minute": 30}
